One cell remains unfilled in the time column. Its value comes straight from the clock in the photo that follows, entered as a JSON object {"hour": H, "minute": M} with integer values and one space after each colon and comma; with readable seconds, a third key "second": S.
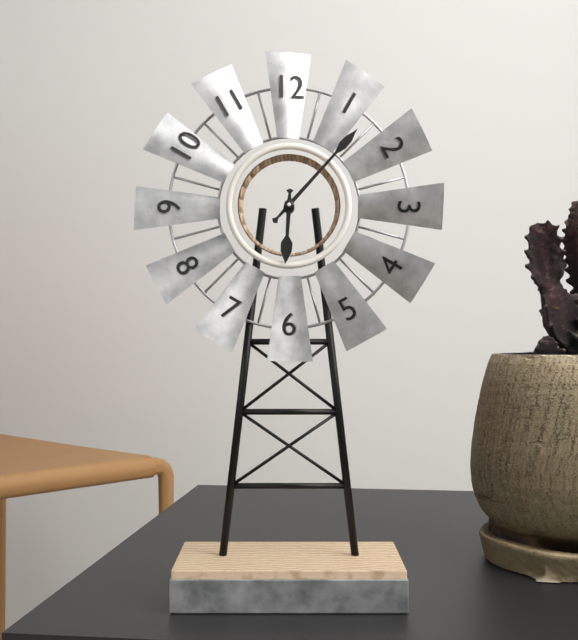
{"hour": 6, "minute": 7}
